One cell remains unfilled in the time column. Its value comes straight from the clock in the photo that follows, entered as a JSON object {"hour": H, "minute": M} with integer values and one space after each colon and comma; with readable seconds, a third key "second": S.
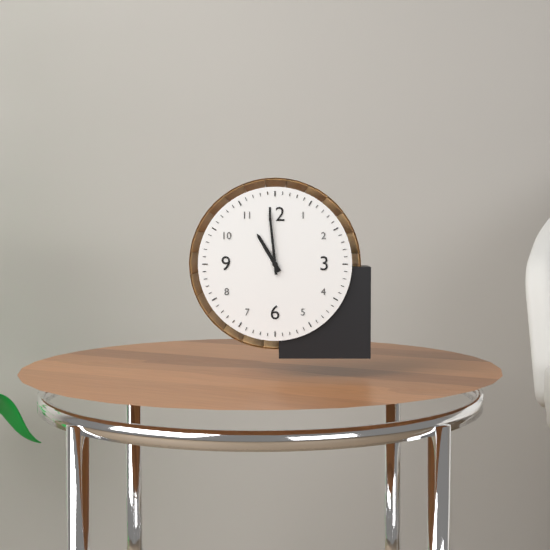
{"hour": 10, "minute": 59}
